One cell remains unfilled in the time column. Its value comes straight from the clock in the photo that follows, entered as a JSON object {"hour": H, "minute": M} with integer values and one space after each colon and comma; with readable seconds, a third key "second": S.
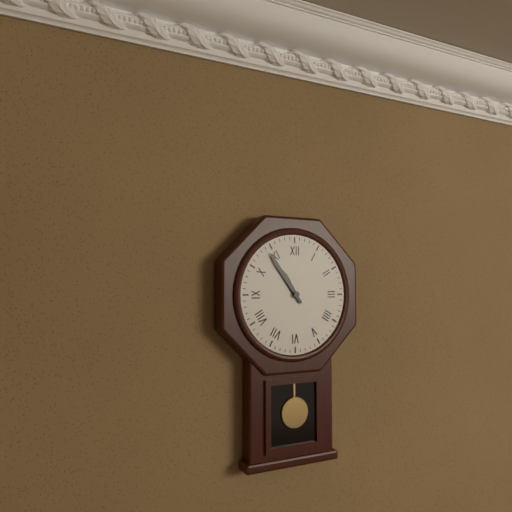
{"hour": 10, "minute": 54}
